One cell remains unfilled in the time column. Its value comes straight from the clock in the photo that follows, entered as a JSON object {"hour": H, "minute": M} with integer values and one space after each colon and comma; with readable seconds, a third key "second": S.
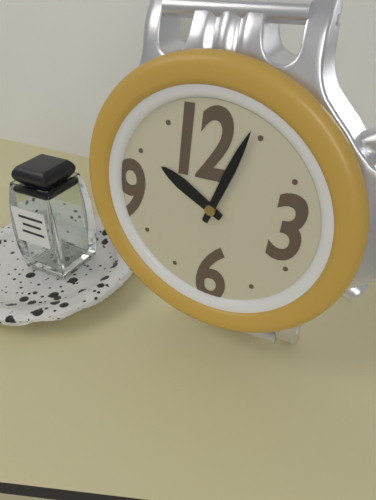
{"hour": 10, "minute": 4}
